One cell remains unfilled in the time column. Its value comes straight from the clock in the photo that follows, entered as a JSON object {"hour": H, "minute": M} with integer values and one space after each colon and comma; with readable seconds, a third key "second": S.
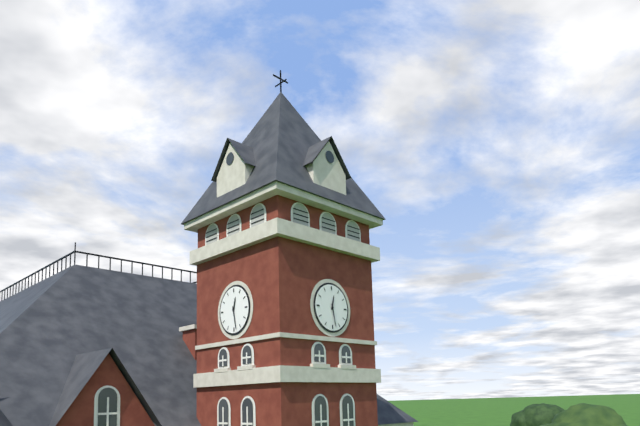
{"hour": 12, "minute": 28}
